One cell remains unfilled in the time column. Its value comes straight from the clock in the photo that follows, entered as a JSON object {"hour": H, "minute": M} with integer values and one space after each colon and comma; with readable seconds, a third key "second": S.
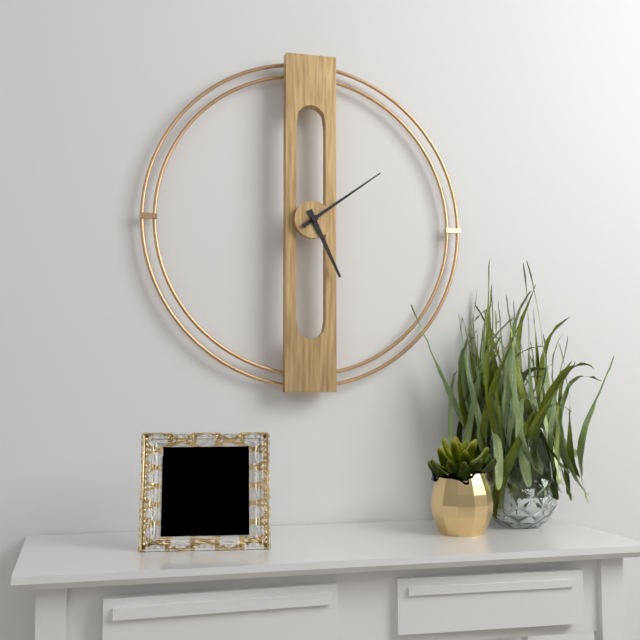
{"hour": 5, "minute": 9}
